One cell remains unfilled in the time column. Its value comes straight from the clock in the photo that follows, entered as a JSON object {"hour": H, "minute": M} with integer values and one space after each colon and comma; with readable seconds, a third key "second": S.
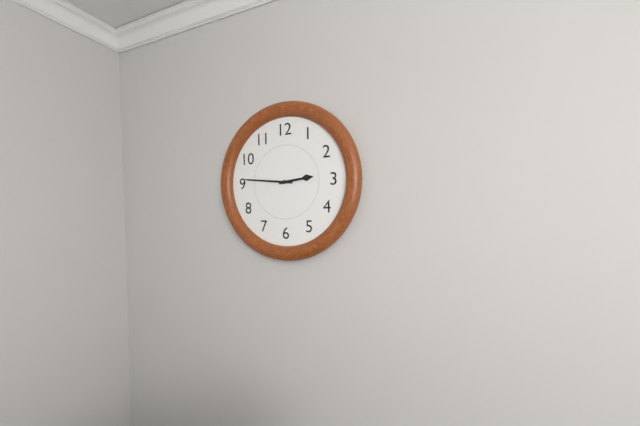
{"hour": 2, "minute": 46}
